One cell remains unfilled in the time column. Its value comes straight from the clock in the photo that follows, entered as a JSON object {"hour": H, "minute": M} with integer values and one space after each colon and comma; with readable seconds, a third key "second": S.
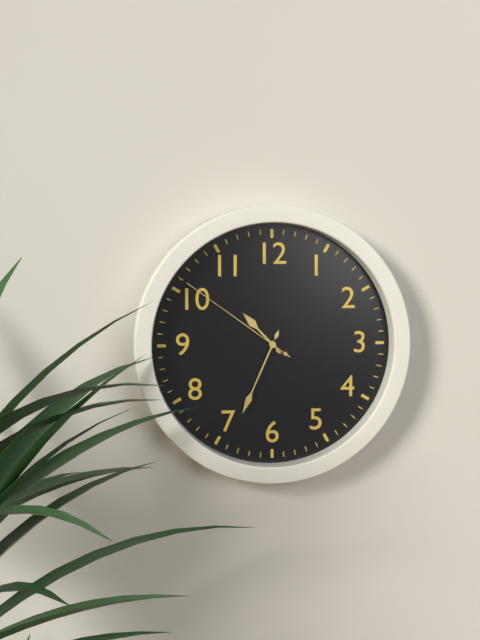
{"hour": 10, "minute": 34, "second": 51}
